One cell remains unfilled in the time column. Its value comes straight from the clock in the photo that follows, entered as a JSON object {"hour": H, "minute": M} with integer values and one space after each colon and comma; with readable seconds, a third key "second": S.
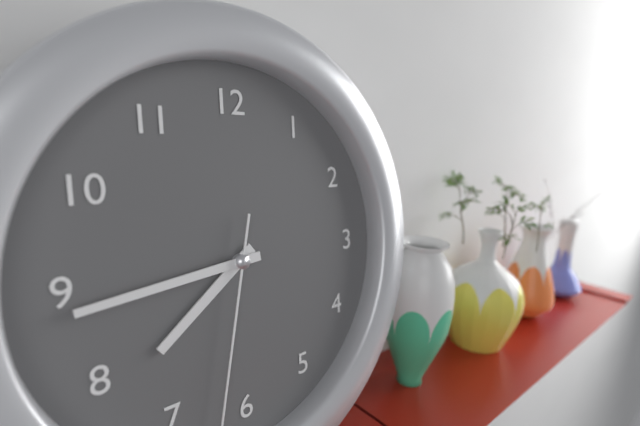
{"hour": 7, "minute": 44}
